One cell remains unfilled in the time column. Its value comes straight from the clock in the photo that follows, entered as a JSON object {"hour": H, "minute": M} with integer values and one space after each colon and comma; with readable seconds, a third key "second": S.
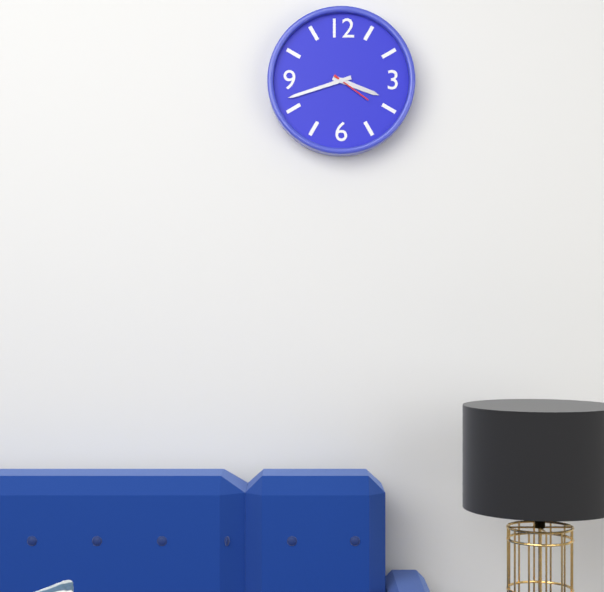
{"hour": 3, "minute": 42}
